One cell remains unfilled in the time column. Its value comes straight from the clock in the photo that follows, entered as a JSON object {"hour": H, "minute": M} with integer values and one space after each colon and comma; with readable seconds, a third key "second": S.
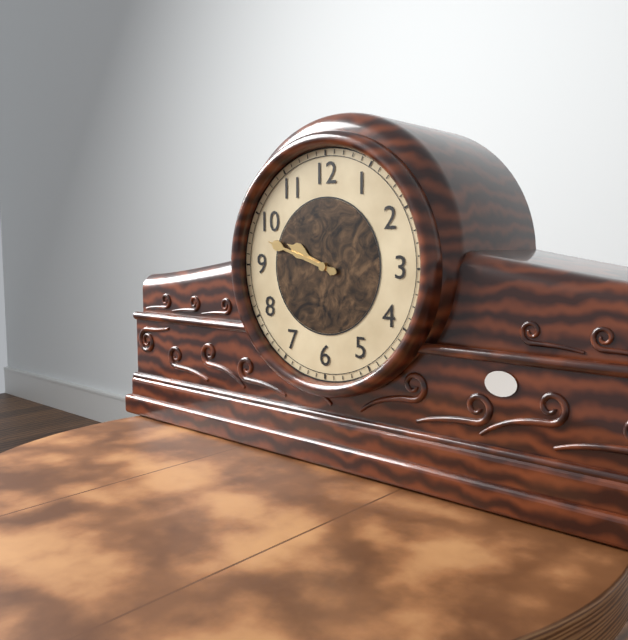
{"hour": 9, "minute": 48}
